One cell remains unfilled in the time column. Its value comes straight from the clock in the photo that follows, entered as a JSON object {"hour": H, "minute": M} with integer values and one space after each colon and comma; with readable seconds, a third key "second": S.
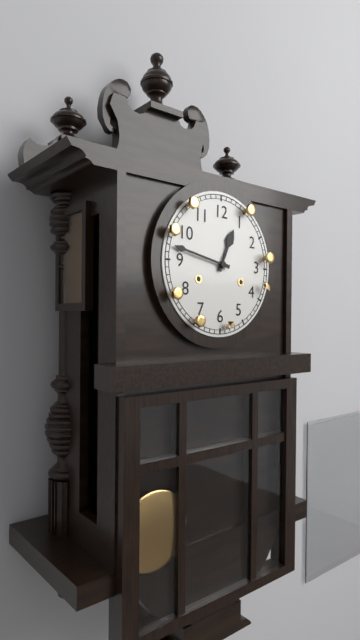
{"hour": 12, "minute": 47}
